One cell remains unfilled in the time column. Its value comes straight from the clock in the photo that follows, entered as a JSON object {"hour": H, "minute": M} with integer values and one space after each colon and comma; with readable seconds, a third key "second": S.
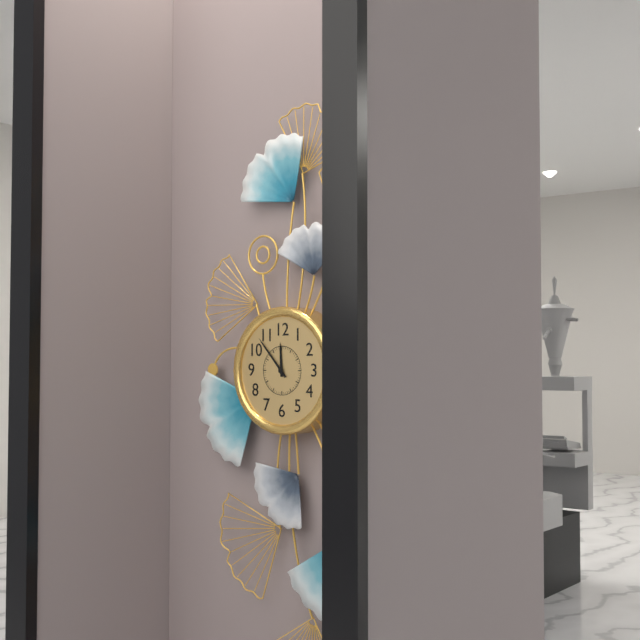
{"hour": 11, "minute": 53}
